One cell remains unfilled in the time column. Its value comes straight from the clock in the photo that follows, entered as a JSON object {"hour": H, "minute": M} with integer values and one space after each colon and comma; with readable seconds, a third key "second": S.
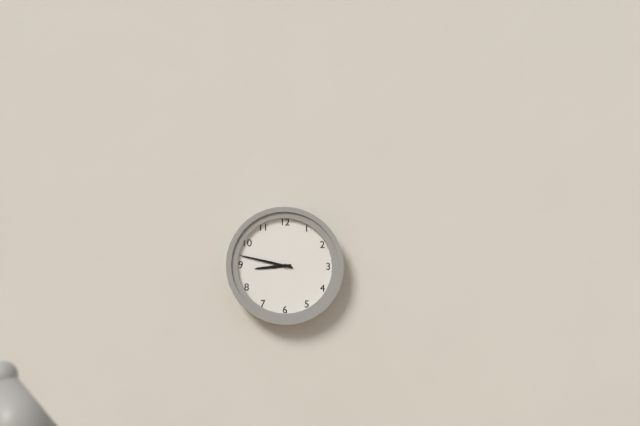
{"hour": 8, "minute": 47}
